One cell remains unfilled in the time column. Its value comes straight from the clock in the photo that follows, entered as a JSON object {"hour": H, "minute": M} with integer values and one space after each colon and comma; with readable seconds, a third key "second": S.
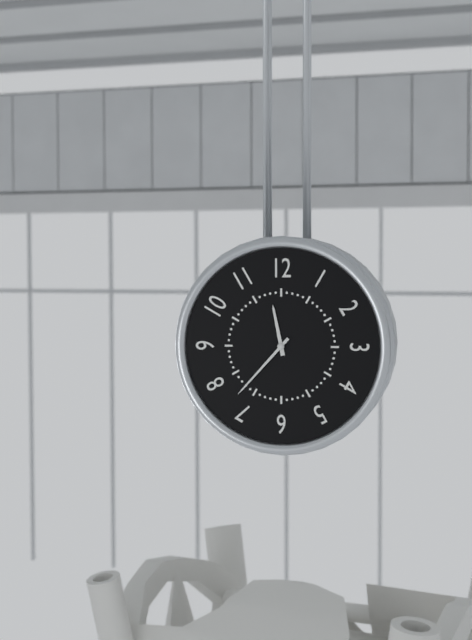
{"hour": 11, "minute": 37}
